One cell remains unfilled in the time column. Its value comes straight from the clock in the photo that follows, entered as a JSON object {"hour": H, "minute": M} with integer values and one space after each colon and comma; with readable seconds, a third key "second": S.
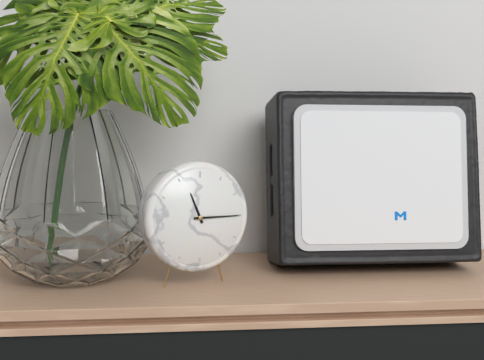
{"hour": 11, "minute": 15}
